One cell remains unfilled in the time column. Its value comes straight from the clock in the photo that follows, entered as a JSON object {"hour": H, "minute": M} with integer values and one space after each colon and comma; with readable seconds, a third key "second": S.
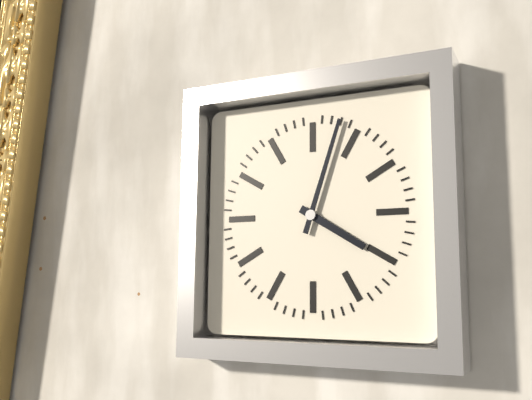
{"hour": 4, "minute": 3}
